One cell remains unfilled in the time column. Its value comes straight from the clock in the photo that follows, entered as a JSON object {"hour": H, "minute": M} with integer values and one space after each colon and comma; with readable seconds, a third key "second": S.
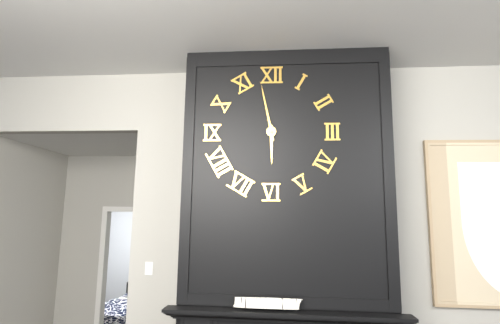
{"hour": 5, "minute": 58}
